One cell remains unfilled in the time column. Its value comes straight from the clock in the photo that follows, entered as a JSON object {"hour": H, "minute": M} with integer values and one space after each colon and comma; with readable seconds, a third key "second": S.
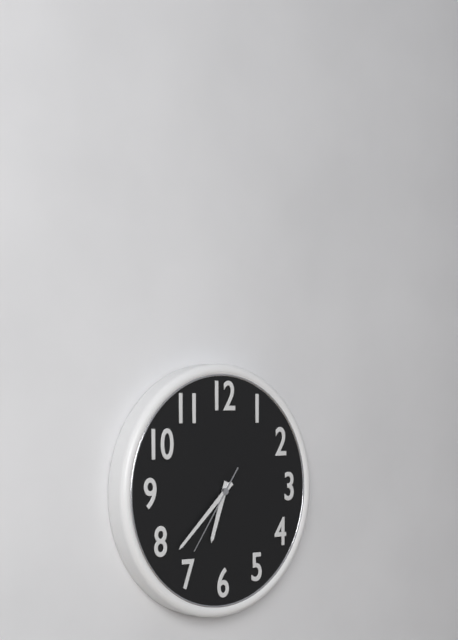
{"hour": 6, "minute": 38, "second": 36}
